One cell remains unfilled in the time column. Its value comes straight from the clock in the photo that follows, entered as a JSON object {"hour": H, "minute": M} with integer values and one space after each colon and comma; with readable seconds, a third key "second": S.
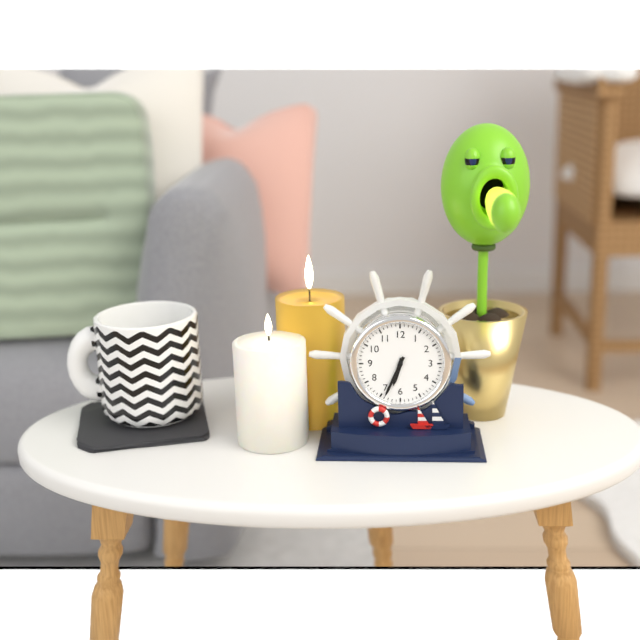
{"hour": 6, "minute": 34}
